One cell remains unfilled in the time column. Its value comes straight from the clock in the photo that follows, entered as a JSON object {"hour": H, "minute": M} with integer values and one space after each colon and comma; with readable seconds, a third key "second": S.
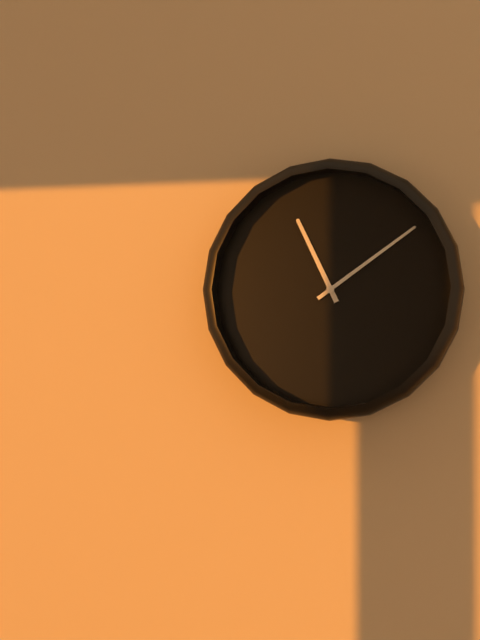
{"hour": 11, "minute": 9}
